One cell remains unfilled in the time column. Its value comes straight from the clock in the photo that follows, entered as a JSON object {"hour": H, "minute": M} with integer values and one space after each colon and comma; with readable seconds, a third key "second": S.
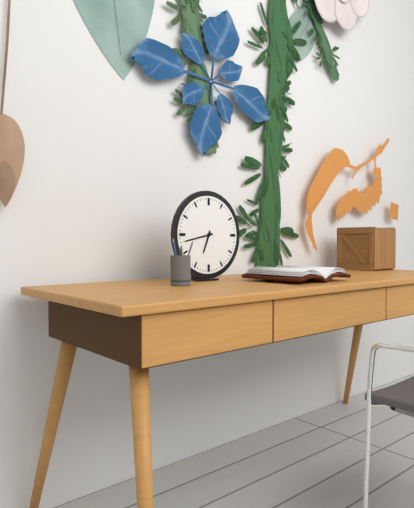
{"hour": 6, "minute": 43}
